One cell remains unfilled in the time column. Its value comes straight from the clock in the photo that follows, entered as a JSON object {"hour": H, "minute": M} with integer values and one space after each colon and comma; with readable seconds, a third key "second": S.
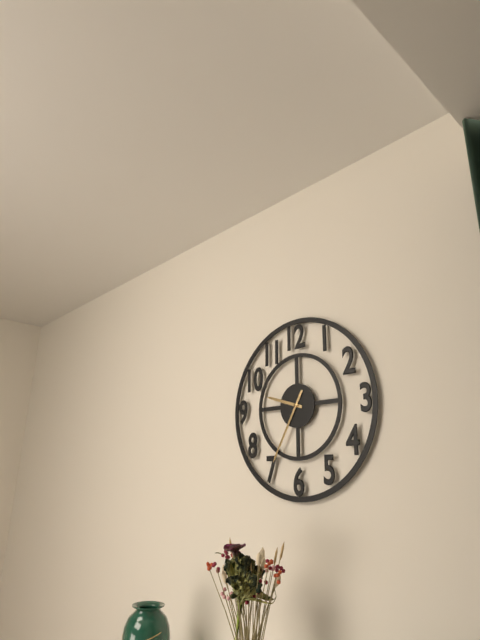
{"hour": 9, "minute": 35}
